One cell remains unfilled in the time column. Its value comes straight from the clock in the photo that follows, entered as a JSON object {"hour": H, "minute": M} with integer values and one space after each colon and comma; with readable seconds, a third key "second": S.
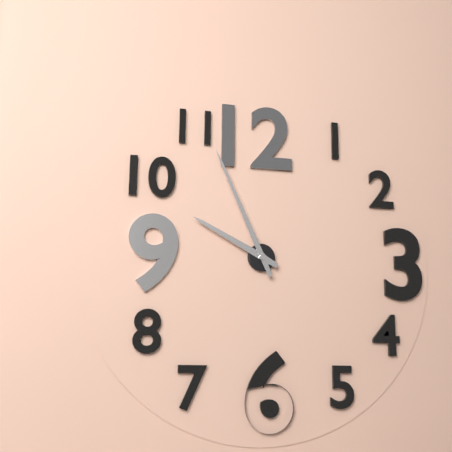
{"hour": 9, "minute": 56}
